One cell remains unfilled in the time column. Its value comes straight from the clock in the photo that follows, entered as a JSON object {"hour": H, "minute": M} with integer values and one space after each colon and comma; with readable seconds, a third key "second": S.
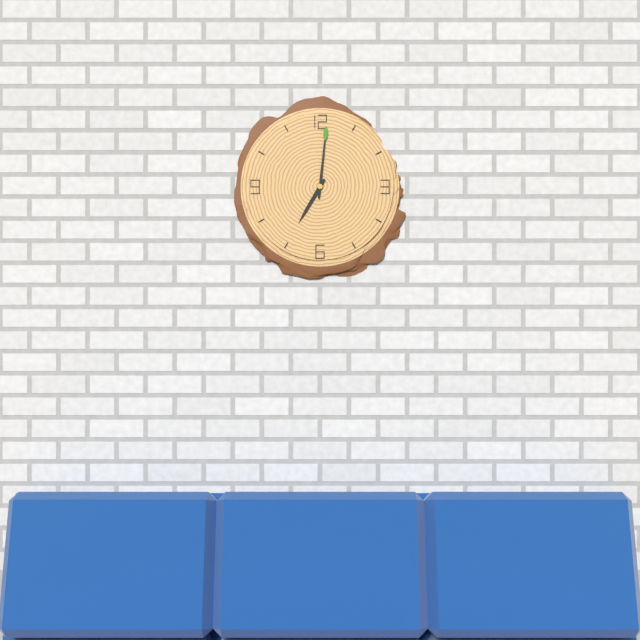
{"hour": 7, "minute": 1}
